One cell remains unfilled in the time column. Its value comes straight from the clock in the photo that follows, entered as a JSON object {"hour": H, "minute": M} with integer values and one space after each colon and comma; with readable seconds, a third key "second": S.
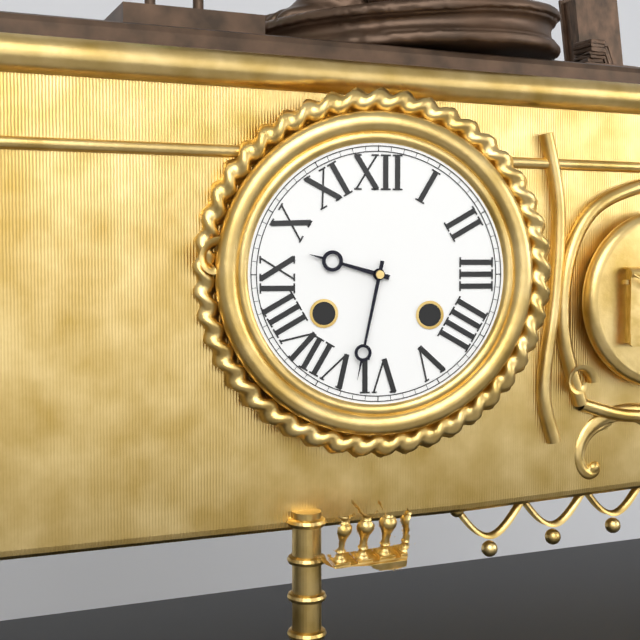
{"hour": 9, "minute": 32}
